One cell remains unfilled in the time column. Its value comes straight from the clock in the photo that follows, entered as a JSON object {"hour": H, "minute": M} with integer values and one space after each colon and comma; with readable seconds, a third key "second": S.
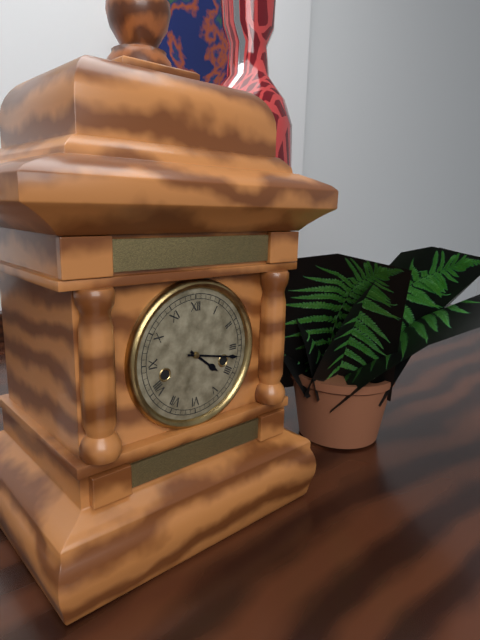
{"hour": 4, "minute": 17}
